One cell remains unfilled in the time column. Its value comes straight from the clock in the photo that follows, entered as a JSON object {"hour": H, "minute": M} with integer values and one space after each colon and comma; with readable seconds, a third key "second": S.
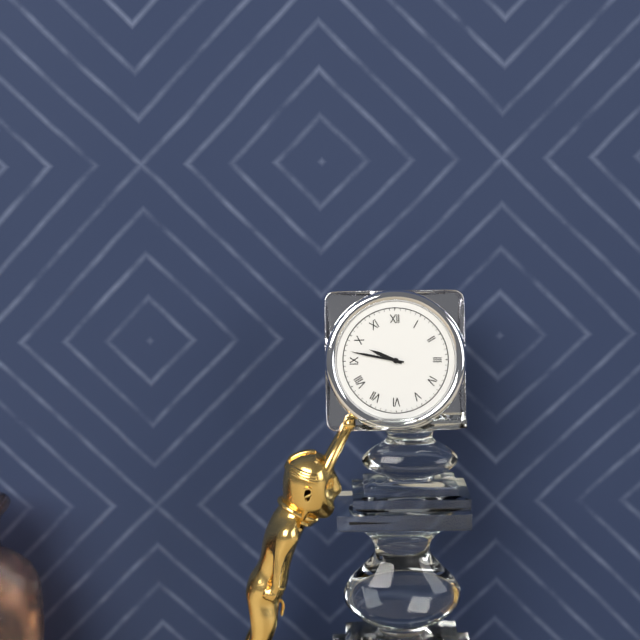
{"hour": 9, "minute": 47}
